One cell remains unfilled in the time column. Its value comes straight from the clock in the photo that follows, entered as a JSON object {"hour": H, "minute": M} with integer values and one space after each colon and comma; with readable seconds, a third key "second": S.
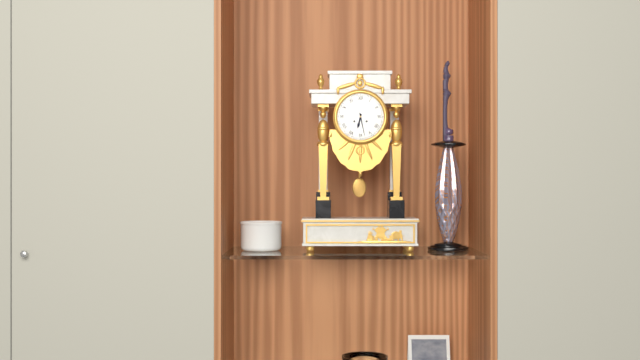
{"hour": 6, "minute": 28}
